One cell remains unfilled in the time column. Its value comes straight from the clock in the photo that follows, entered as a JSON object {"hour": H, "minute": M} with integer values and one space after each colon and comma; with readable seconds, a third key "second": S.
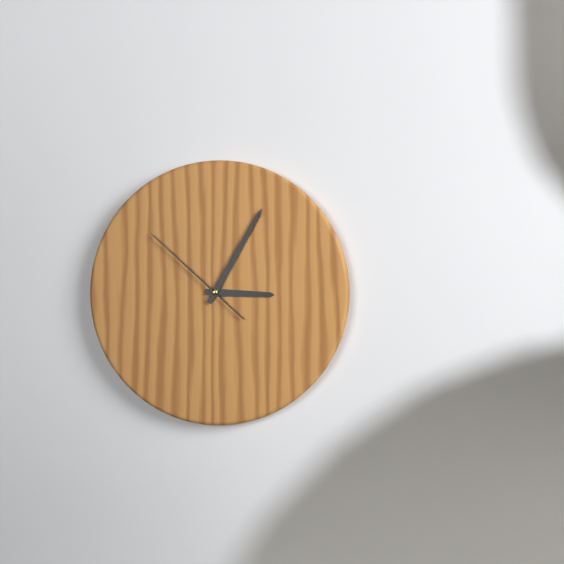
{"hour": 3, "minute": 5, "second": 52}
